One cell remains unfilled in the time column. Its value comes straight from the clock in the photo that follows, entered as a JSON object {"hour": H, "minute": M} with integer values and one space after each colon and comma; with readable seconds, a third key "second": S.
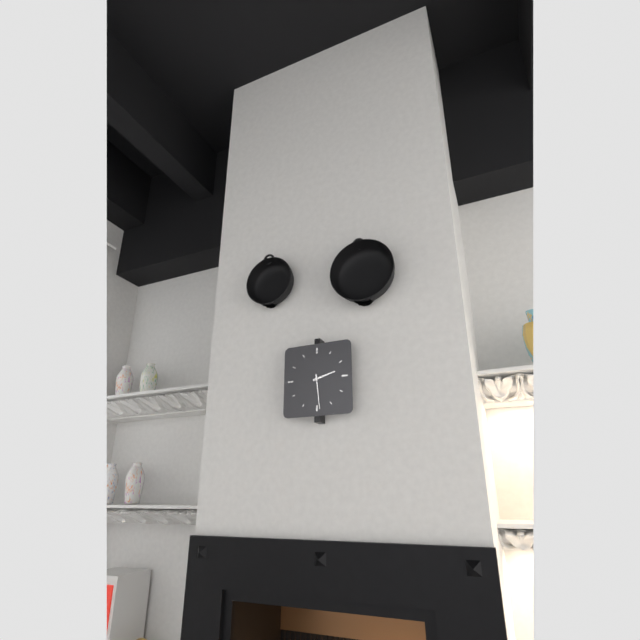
{"hour": 2, "minute": 29}
